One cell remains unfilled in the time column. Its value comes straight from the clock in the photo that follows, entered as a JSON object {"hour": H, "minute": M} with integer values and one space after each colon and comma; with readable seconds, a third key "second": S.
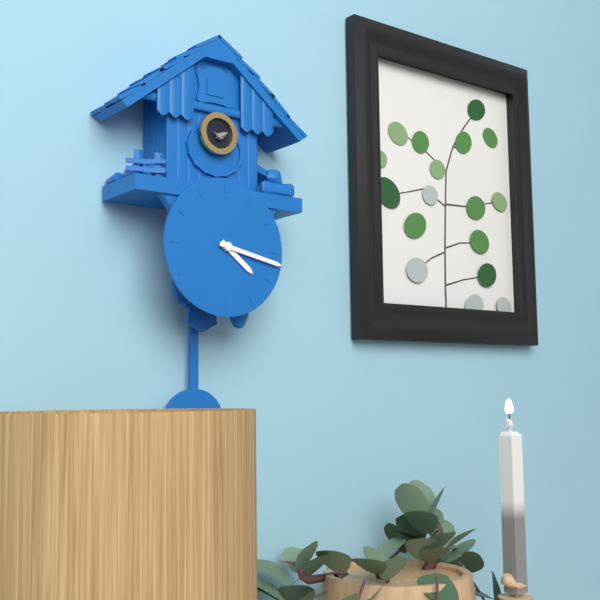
{"hour": 4, "minute": 17}
